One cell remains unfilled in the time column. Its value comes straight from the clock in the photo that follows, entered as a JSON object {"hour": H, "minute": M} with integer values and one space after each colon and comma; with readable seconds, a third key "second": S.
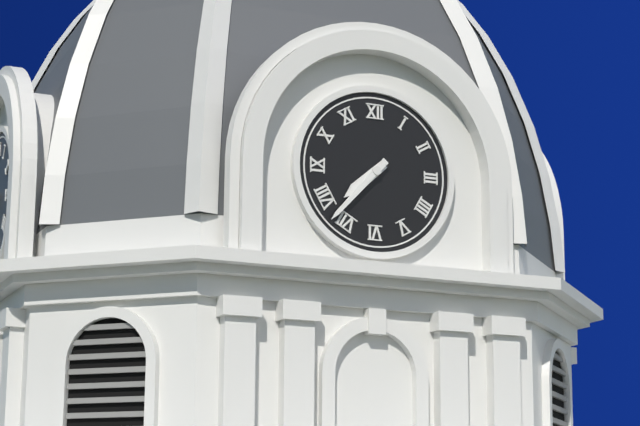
{"hour": 7, "minute": 37}
